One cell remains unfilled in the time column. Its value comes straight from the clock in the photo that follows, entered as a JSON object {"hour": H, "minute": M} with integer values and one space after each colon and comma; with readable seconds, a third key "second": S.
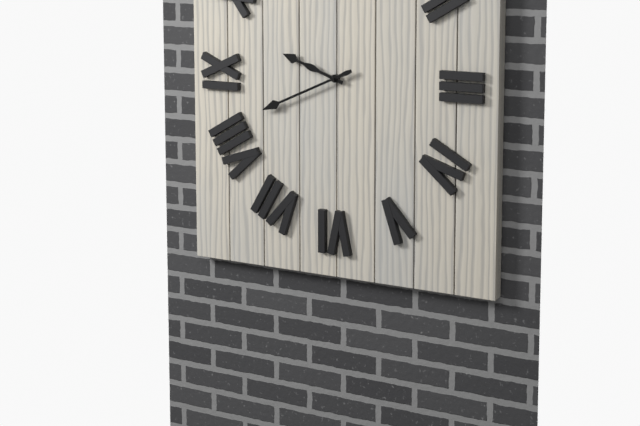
{"hour": 9, "minute": 41}
